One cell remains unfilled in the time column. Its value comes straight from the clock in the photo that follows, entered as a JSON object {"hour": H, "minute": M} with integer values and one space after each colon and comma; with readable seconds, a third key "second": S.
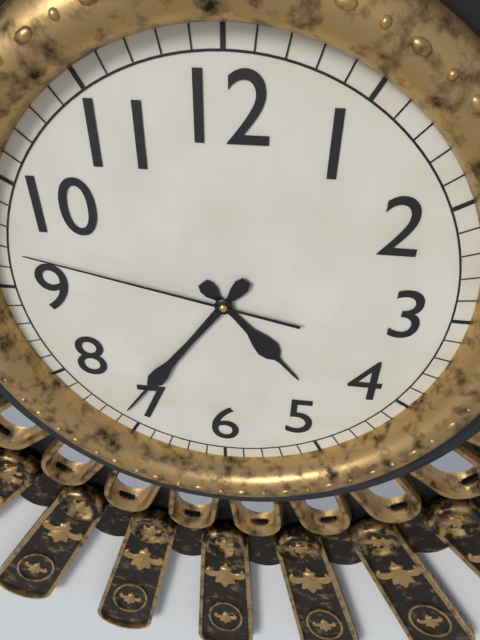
{"hour": 4, "minute": 36, "second": 47}
